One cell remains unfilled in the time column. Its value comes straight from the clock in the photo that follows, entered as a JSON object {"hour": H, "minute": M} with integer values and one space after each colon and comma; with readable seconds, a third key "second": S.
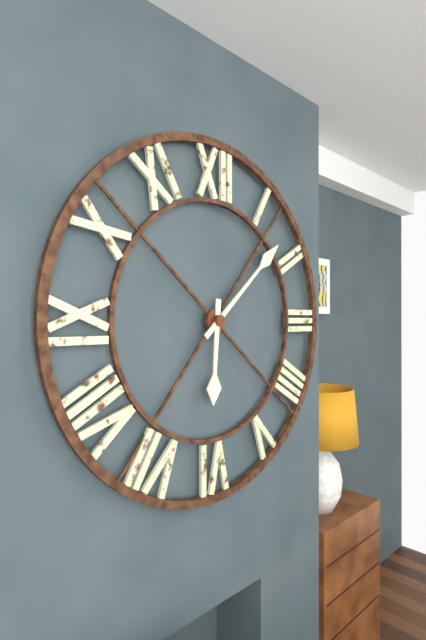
{"hour": 6, "minute": 8}
